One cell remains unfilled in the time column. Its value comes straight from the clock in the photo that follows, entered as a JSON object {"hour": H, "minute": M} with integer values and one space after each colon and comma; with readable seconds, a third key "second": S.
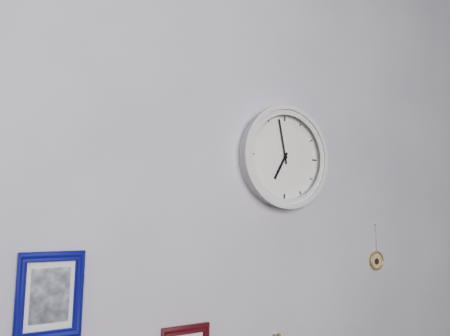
{"hour": 6, "minute": 58}
